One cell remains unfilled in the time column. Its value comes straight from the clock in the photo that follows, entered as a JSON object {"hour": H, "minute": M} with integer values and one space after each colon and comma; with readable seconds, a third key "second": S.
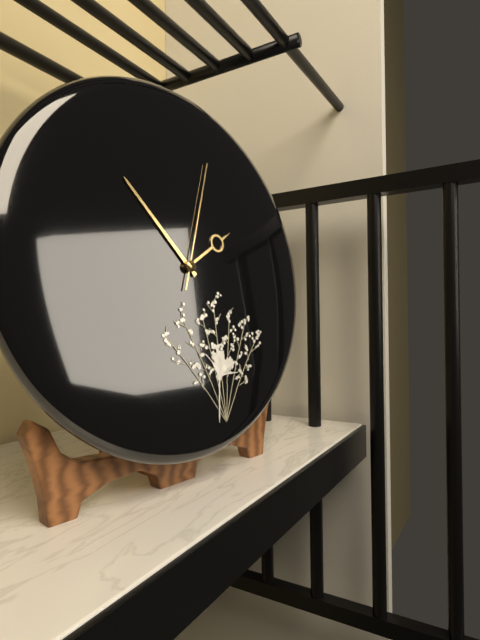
{"hour": 1, "minute": 53, "second": 3}
